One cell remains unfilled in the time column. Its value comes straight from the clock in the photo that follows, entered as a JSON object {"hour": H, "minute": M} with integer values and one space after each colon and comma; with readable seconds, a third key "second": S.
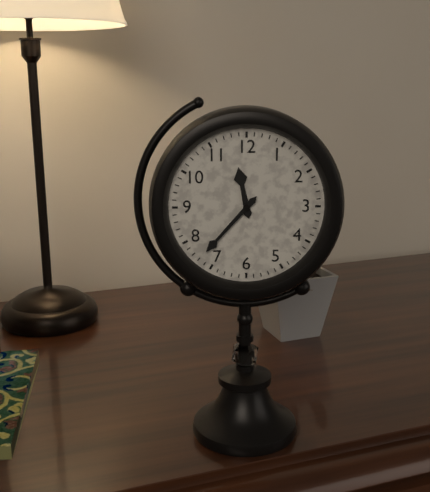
{"hour": 11, "minute": 37}
